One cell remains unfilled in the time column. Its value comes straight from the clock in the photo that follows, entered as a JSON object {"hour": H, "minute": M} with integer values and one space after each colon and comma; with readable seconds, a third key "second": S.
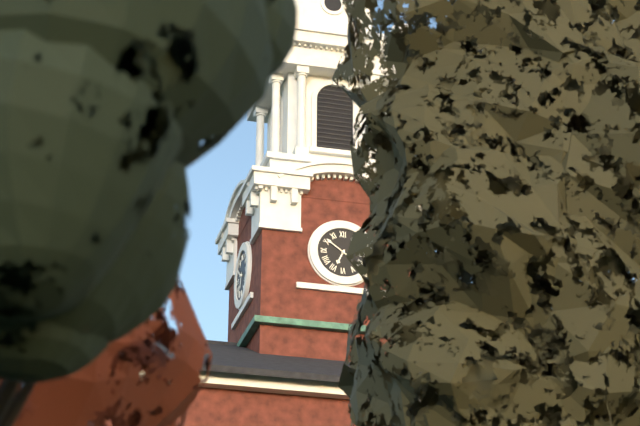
{"hour": 6, "minute": 51}
